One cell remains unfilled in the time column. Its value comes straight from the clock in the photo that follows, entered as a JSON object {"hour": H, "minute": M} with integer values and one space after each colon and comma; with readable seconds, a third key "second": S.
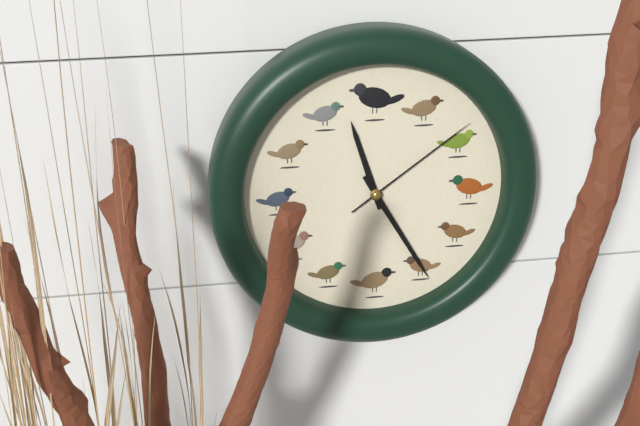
{"hour": 11, "minute": 25, "second": 9}
